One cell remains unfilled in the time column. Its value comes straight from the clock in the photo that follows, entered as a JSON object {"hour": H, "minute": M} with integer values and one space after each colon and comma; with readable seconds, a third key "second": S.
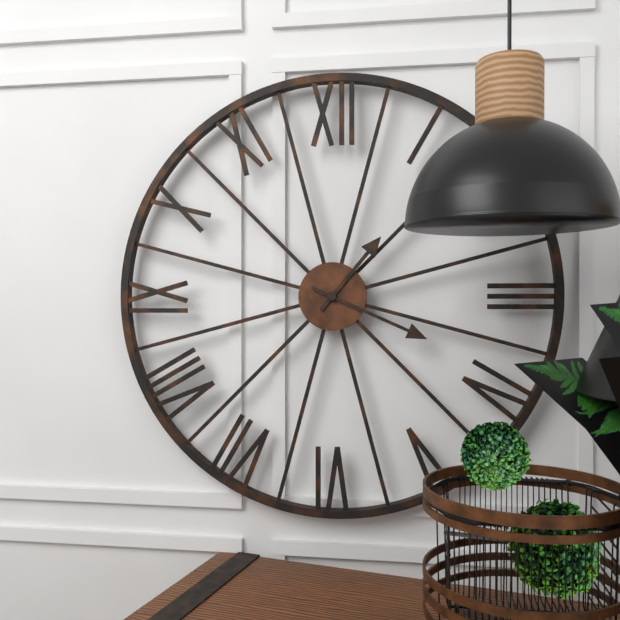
{"hour": 1, "minute": 19}
